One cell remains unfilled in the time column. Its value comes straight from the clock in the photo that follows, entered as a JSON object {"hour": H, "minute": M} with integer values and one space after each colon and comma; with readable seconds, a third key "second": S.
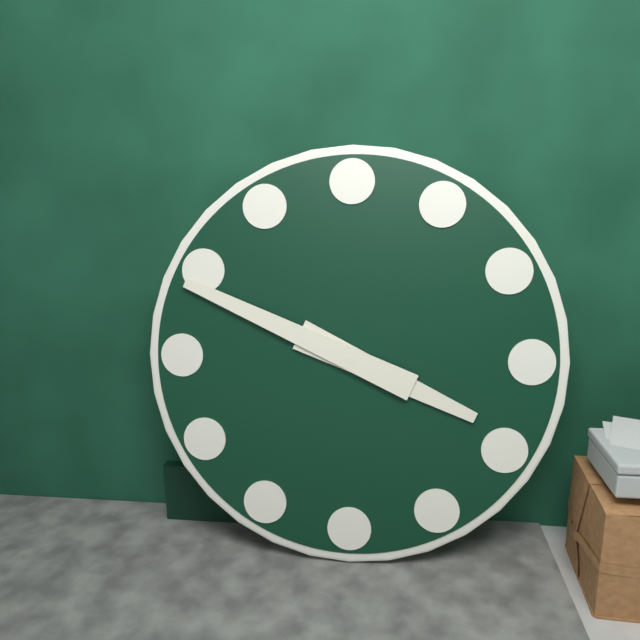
{"hour": 3, "minute": 49}
